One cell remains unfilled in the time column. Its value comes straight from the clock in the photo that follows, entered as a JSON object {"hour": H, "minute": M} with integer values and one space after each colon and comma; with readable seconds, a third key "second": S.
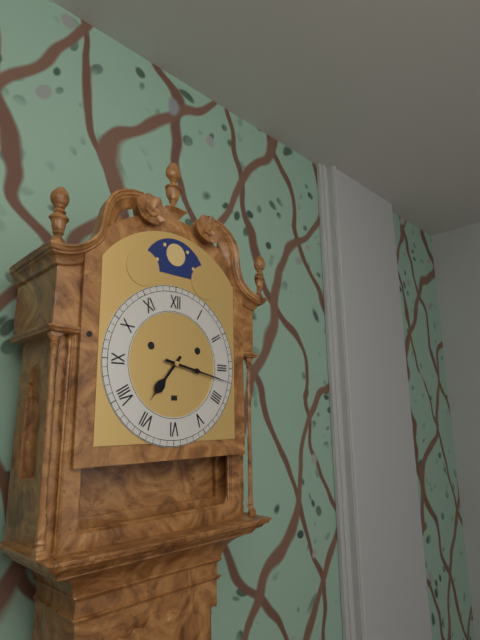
{"hour": 7, "minute": 17}
